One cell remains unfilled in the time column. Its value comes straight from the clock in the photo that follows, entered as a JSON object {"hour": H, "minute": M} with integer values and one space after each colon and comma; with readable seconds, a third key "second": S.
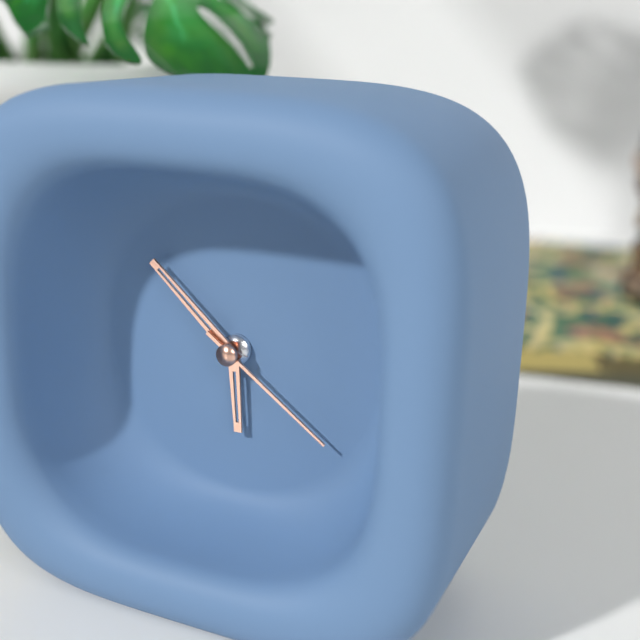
{"hour": 5, "minute": 52, "second": 21}
